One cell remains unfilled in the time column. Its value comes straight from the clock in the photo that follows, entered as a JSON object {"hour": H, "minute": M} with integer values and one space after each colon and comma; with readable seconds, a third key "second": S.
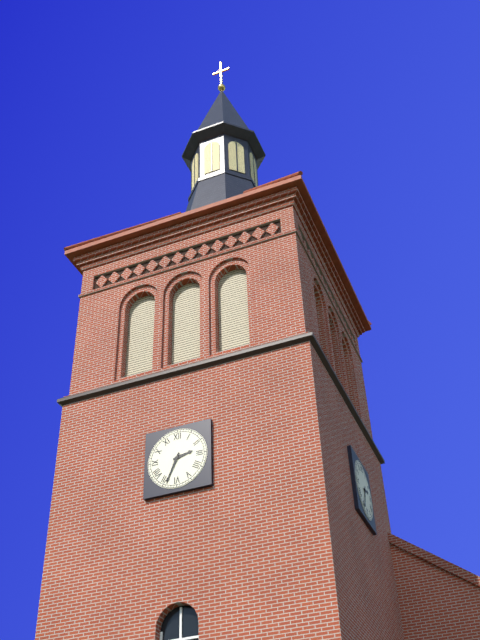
{"hour": 2, "minute": 34}
